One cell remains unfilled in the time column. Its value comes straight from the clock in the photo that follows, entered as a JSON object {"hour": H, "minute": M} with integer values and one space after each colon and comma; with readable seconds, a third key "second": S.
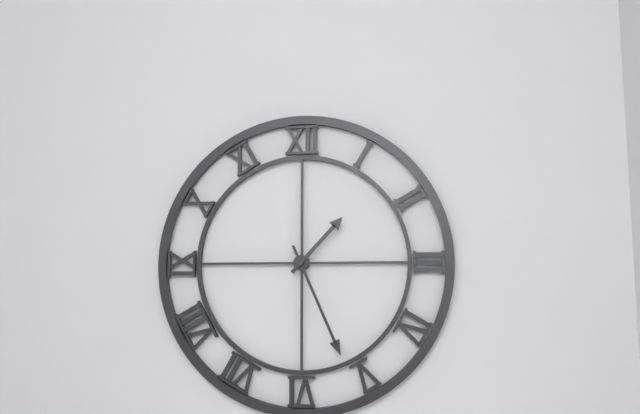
{"hour": 1, "minute": 26}
